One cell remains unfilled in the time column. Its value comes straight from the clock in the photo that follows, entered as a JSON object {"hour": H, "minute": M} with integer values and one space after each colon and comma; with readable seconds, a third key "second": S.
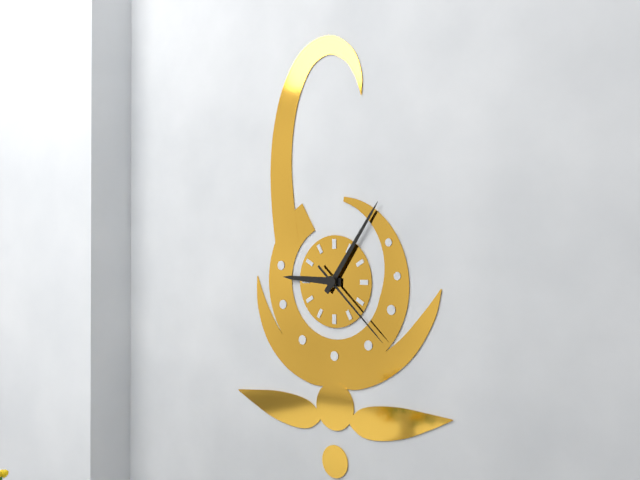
{"hour": 9, "minute": 6, "second": 22}
